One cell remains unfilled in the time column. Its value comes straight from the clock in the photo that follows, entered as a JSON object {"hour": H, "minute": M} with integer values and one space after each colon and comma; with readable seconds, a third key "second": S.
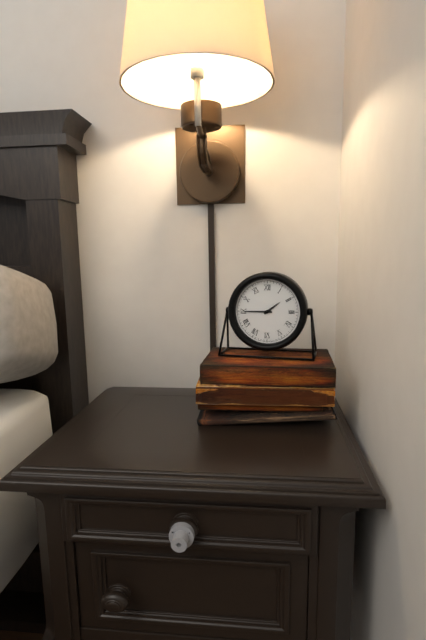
{"hour": 1, "minute": 45}
